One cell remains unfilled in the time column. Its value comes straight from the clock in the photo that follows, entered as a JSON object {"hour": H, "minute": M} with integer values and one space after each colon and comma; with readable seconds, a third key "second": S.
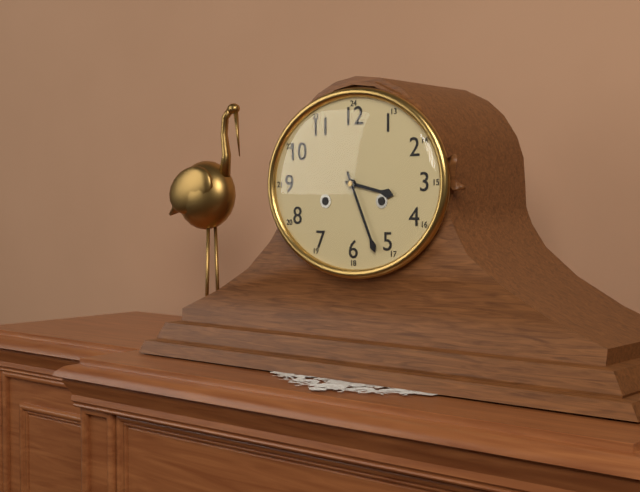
{"hour": 3, "minute": 26}
